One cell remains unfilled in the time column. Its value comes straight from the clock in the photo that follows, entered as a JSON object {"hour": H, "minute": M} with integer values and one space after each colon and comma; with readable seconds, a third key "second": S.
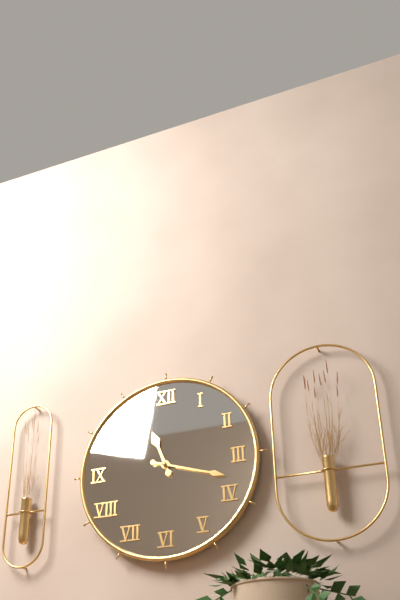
{"hour": 11, "minute": 18}
